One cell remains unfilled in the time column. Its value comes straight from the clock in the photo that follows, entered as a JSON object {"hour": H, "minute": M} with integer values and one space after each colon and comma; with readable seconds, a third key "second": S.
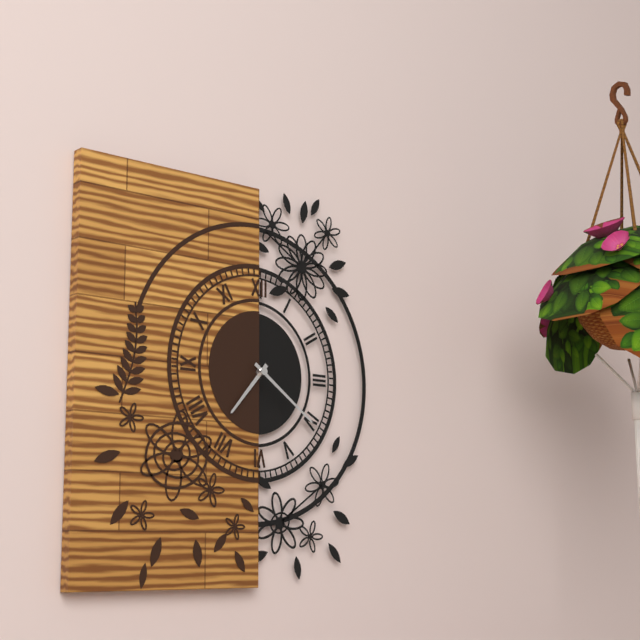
{"hour": 7, "minute": 21}
